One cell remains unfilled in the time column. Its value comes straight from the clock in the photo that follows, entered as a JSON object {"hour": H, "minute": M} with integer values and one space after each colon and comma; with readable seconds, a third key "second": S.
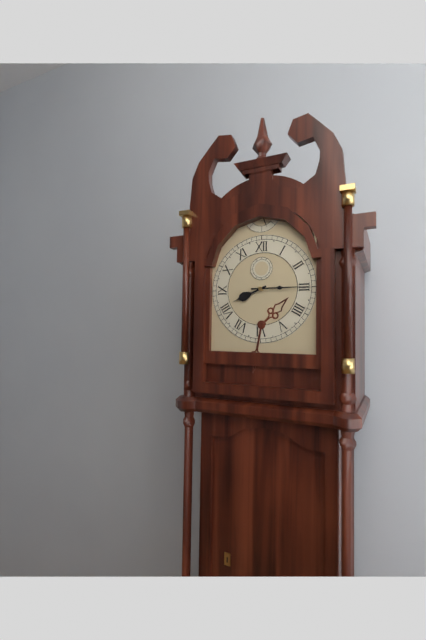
{"hour": 8, "minute": 15}
